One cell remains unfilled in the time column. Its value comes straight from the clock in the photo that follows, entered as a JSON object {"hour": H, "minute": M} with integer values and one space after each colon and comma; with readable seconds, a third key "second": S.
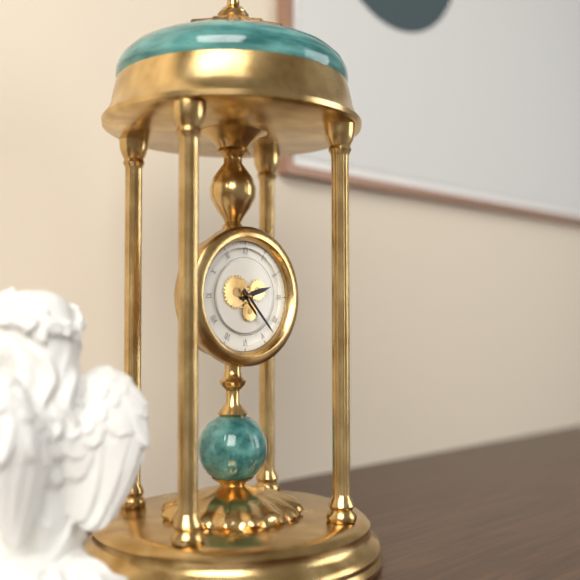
{"hour": 2, "minute": 23}
